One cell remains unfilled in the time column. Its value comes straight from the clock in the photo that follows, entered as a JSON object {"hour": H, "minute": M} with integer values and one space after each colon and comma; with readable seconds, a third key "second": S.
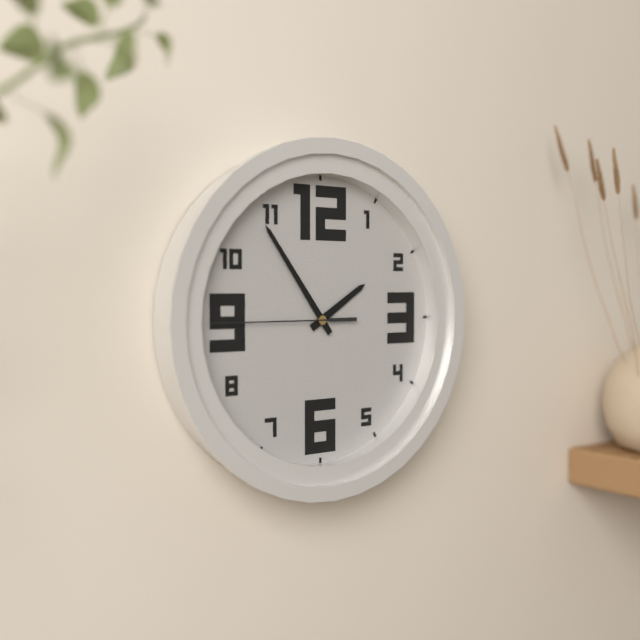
{"hour": 1, "minute": 54, "second": 45}
